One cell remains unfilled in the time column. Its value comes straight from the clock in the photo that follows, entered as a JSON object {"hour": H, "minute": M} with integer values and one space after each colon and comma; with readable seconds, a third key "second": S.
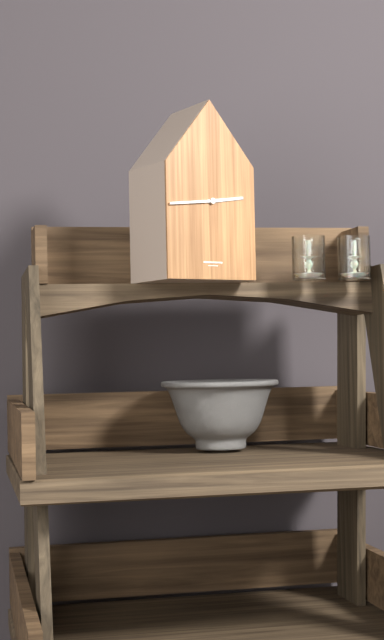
{"hour": 2, "minute": 44}
